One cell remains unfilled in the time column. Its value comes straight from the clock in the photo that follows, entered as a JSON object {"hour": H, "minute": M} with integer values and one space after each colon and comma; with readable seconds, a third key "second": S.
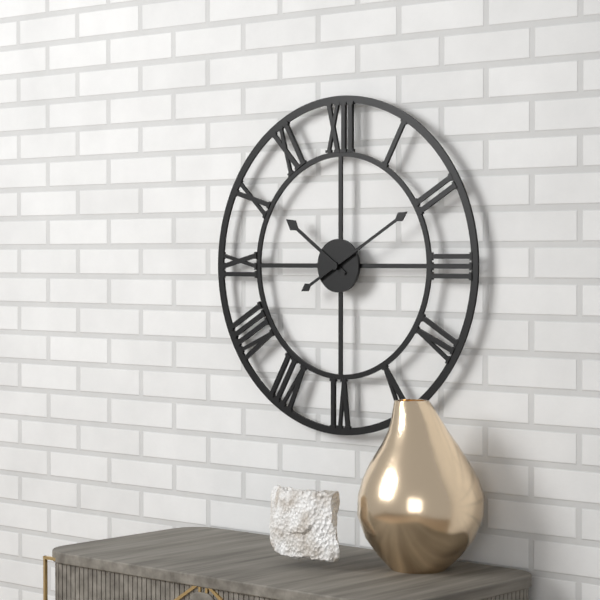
{"hour": 10, "minute": 10}
